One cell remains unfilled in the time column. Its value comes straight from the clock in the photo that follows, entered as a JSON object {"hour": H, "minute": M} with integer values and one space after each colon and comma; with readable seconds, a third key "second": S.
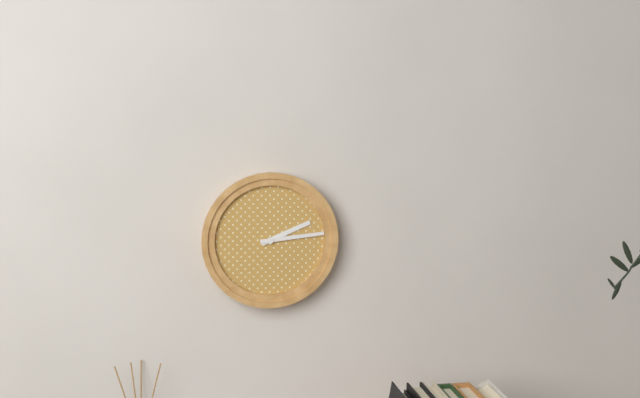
{"hour": 2, "minute": 14}
